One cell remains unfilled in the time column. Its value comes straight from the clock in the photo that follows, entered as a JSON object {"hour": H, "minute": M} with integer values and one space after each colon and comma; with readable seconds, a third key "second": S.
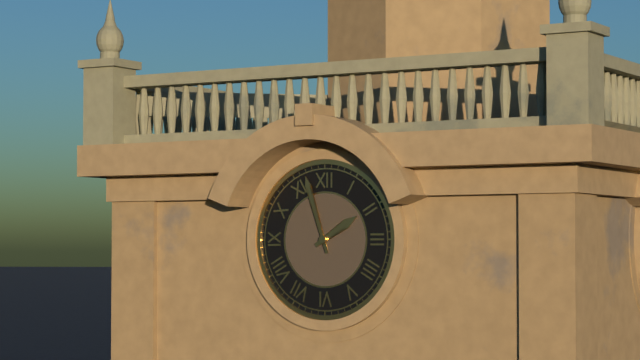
{"hour": 1, "minute": 57}
